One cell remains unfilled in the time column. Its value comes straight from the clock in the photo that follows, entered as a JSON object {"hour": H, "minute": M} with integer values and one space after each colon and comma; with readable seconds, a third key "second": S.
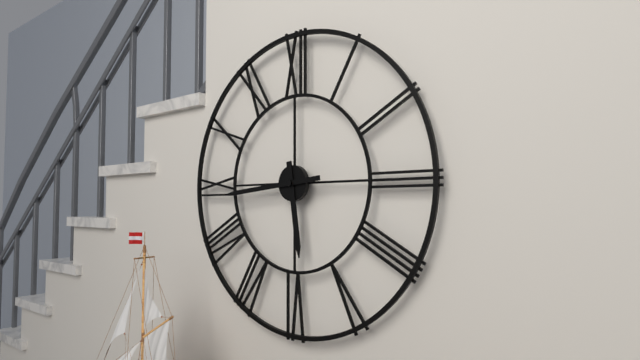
{"hour": 5, "minute": 44}
